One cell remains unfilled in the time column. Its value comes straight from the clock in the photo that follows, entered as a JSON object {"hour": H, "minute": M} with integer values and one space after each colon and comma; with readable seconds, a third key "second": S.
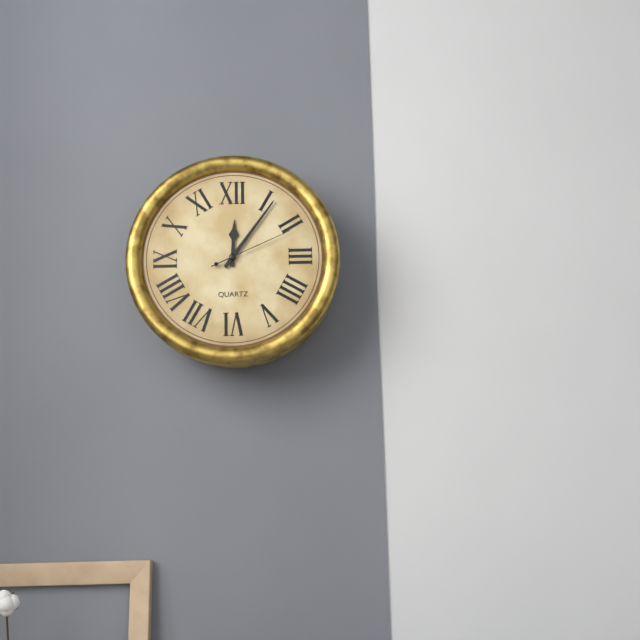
{"hour": 12, "minute": 6, "second": 11}
